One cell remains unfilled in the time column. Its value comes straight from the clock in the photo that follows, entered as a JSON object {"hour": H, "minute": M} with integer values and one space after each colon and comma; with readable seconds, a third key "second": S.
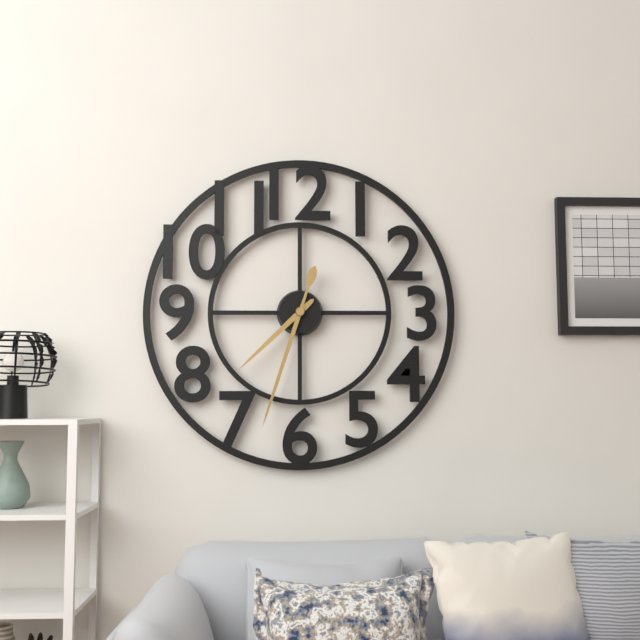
{"hour": 7, "minute": 33}
